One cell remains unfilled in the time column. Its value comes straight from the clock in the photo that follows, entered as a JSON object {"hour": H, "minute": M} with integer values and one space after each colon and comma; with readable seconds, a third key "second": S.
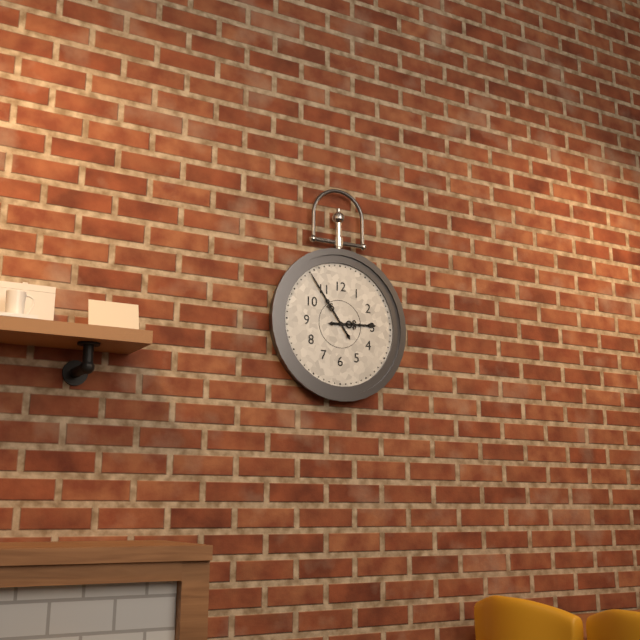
{"hour": 2, "minute": 54}
